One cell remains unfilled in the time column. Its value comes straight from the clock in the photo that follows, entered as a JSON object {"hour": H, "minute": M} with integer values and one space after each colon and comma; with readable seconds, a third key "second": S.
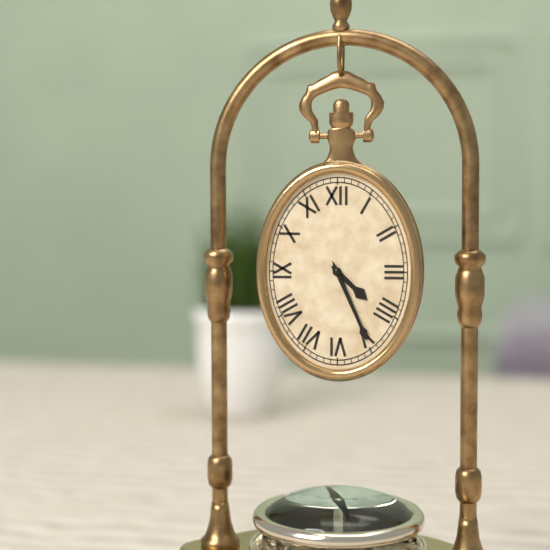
{"hour": 4, "minute": 26}
